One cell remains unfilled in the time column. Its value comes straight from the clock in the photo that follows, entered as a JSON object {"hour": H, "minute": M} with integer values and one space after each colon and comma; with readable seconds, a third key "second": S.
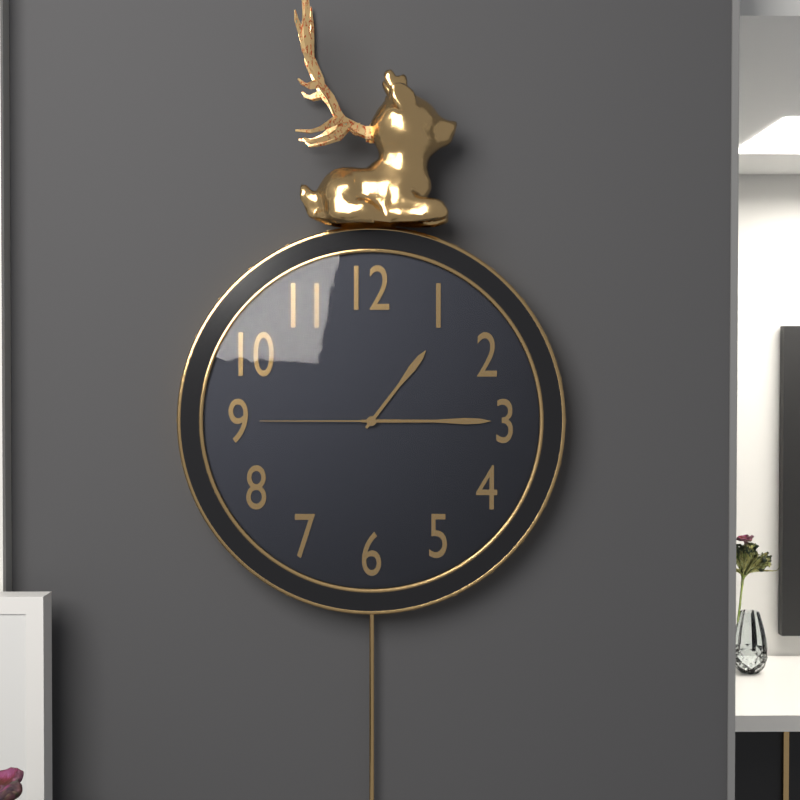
{"hour": 1, "minute": 15, "second": 45}
